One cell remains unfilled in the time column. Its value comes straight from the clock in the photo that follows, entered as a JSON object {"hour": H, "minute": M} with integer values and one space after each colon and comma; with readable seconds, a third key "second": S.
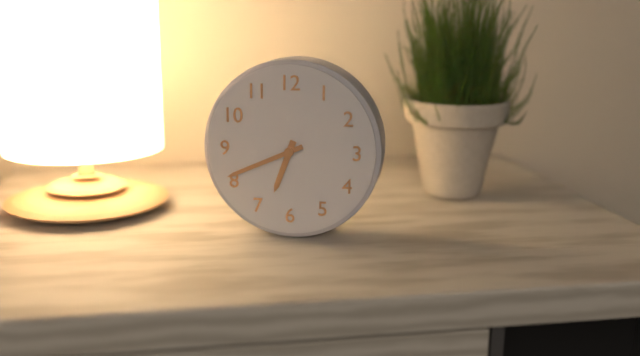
{"hour": 6, "minute": 41}
